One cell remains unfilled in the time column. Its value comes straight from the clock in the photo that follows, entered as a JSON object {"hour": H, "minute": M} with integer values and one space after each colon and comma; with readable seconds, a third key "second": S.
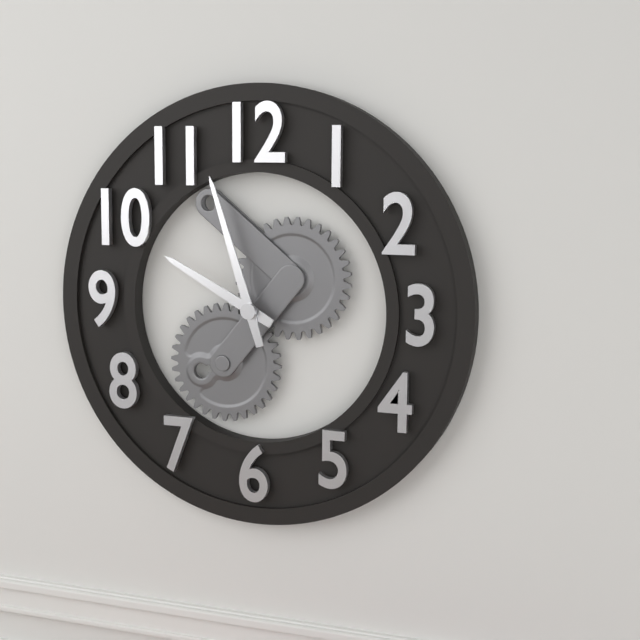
{"hour": 9, "minute": 57}
